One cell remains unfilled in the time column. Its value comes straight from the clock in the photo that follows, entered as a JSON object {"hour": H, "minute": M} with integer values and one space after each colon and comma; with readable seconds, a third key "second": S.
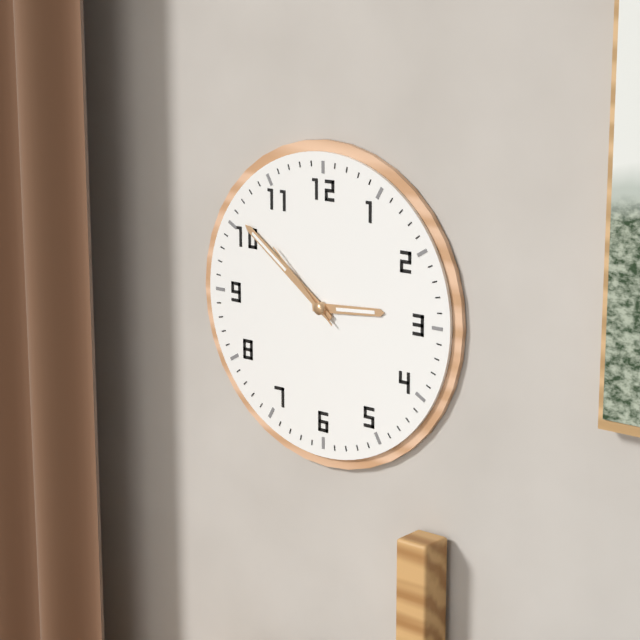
{"hour": 2, "minute": 51, "second": 52}
